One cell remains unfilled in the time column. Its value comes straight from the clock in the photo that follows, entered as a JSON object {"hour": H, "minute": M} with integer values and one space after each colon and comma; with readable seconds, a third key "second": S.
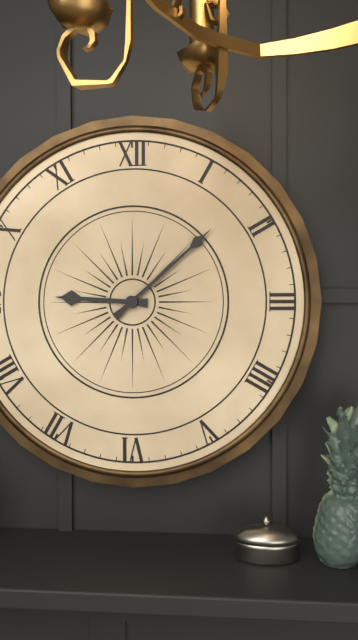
{"hour": 9, "minute": 8}
